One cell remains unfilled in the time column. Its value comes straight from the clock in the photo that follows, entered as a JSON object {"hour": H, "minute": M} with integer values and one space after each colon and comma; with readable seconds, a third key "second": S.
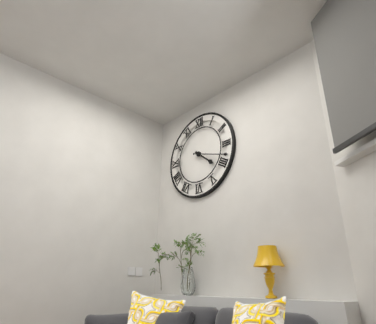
{"hour": 4, "minute": 18}
